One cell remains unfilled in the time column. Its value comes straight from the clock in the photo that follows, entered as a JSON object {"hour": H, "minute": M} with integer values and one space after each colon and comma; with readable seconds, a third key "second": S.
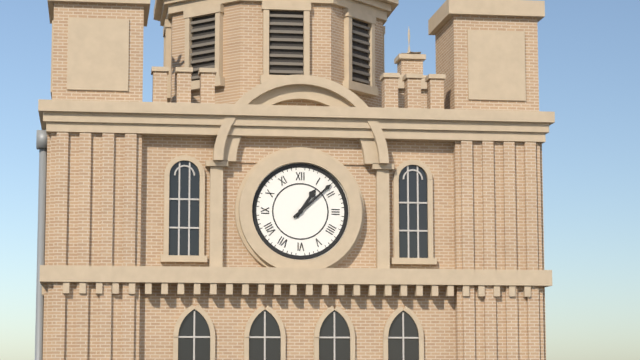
{"hour": 1, "minute": 8}
